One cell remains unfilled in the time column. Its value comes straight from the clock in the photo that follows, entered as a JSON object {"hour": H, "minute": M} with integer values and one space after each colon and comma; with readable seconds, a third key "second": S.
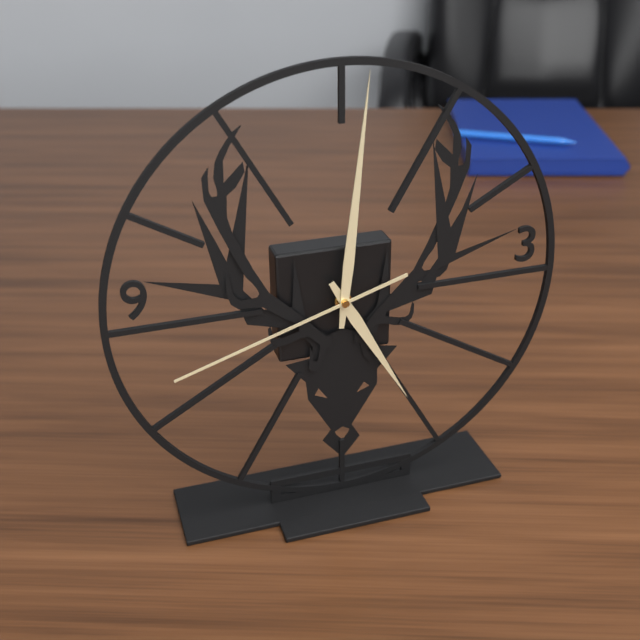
{"hour": 5, "minute": 1, "second": 42}
